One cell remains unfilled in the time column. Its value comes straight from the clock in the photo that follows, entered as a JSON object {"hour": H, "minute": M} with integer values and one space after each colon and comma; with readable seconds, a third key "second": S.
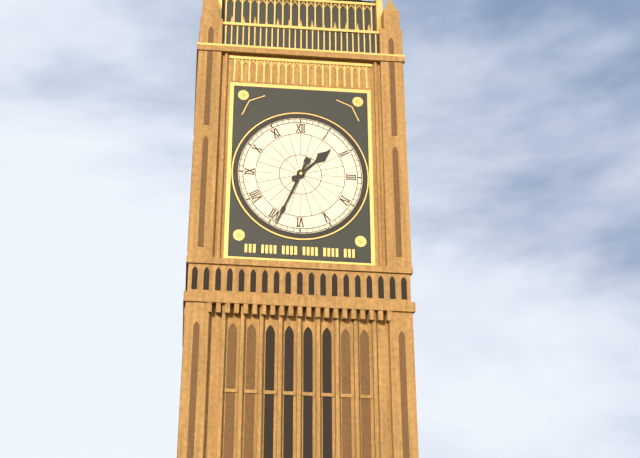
{"hour": 1, "minute": 34}
